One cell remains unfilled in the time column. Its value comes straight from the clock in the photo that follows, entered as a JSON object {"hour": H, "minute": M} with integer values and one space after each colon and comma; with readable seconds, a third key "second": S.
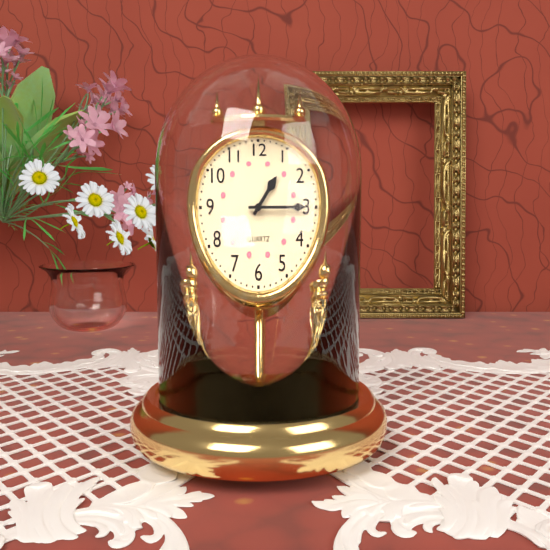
{"hour": 1, "minute": 15}
